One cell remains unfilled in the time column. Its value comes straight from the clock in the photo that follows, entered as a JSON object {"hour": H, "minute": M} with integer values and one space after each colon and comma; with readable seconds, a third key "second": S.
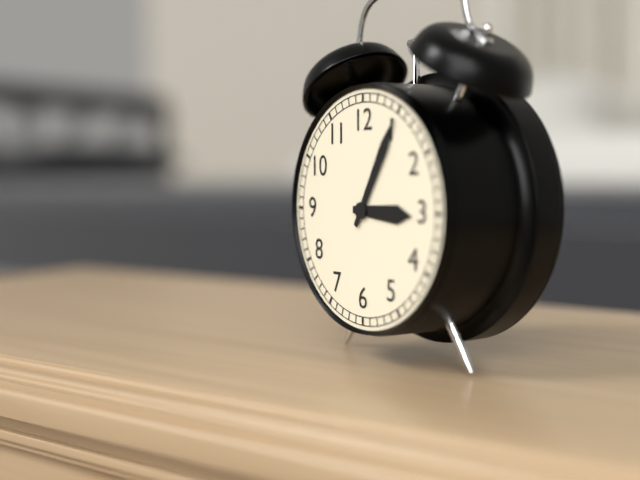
{"hour": 3, "minute": 5}
